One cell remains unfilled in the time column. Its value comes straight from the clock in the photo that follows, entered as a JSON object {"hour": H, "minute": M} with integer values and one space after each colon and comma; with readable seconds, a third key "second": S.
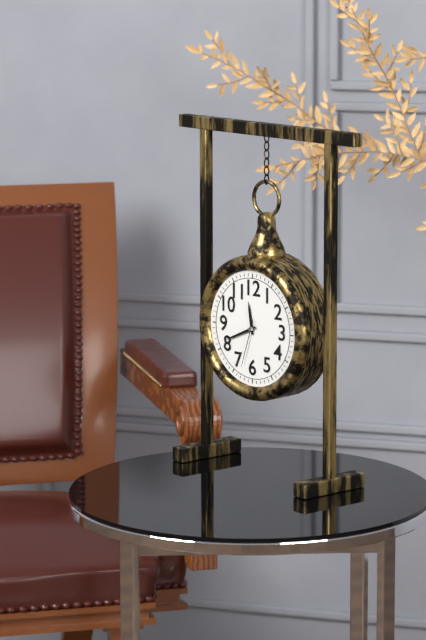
{"hour": 11, "minute": 41}
